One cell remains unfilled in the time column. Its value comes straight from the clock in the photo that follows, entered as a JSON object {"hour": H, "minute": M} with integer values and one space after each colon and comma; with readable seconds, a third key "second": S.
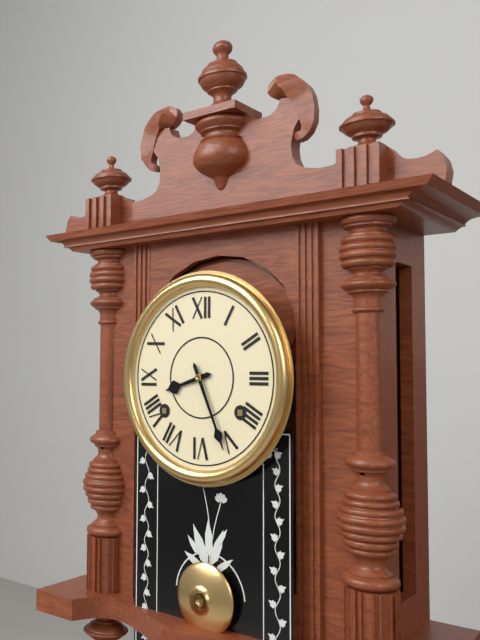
{"hour": 8, "minute": 26}
